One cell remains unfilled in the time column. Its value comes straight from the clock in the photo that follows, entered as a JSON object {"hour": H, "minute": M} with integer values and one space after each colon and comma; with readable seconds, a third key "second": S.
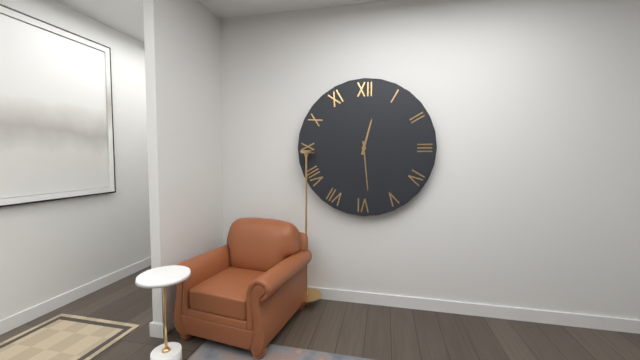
{"hour": 12, "minute": 29}
